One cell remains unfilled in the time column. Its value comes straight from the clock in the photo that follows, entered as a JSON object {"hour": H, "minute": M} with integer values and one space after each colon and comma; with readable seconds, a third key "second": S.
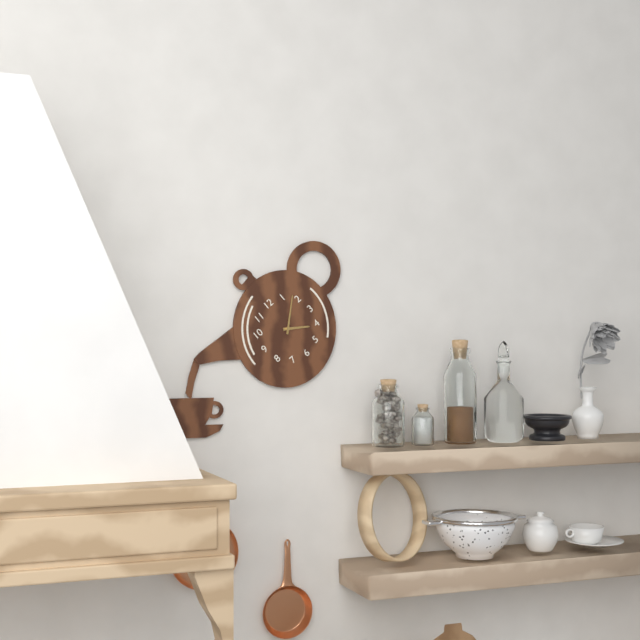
{"hour": 4, "minute": 8}
